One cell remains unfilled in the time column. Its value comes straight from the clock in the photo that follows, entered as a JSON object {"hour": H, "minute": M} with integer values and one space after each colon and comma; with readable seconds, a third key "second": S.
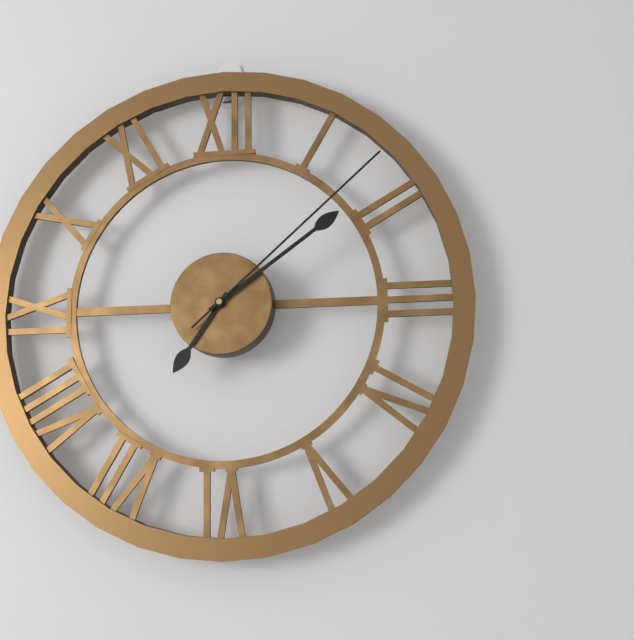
{"hour": 7, "minute": 9, "second": 8}
